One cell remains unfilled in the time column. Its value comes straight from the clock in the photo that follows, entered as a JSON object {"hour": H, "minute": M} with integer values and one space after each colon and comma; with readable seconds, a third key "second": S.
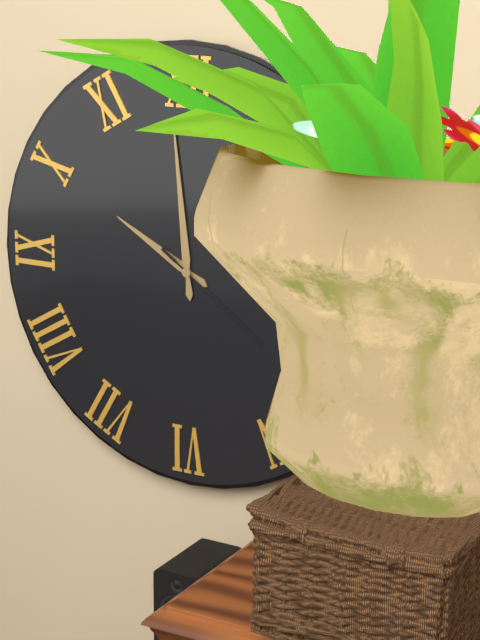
{"hour": 9, "minute": 59, "second": 21}
